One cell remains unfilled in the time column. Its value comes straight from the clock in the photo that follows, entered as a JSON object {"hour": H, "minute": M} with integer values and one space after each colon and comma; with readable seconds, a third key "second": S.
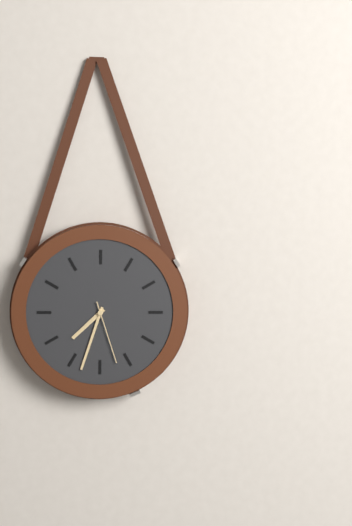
{"hour": 7, "minute": 33, "second": 27}
